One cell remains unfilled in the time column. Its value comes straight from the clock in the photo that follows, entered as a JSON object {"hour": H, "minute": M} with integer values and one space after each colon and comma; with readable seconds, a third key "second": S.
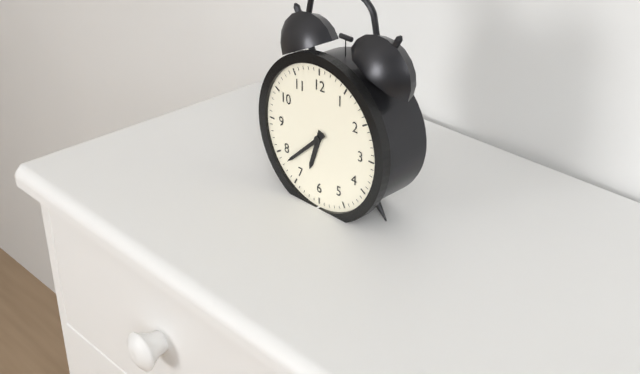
{"hour": 6, "minute": 38}
